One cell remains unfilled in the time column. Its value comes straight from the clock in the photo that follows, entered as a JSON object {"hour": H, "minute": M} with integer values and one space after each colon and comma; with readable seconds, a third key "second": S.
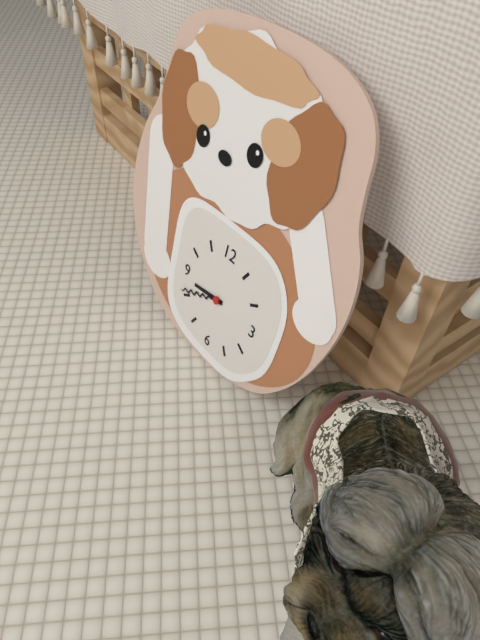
{"hour": 8, "minute": 41}
